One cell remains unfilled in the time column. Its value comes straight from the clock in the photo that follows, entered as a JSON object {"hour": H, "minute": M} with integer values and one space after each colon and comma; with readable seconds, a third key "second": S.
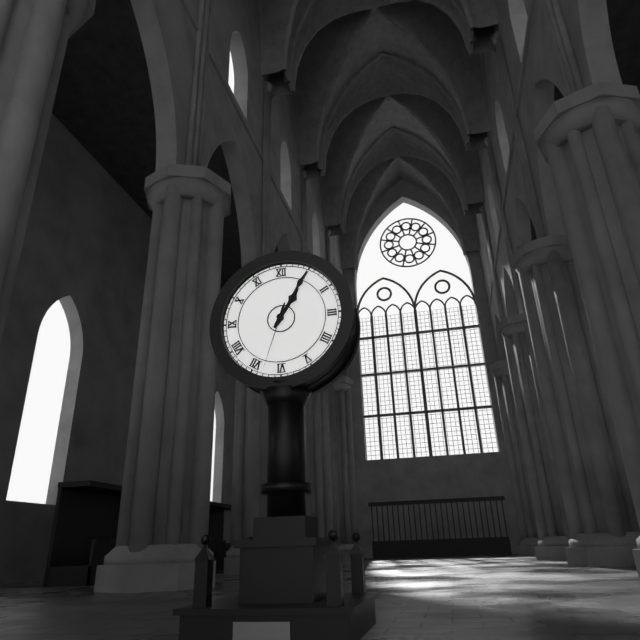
{"hour": 1, "minute": 5, "second": 33}
